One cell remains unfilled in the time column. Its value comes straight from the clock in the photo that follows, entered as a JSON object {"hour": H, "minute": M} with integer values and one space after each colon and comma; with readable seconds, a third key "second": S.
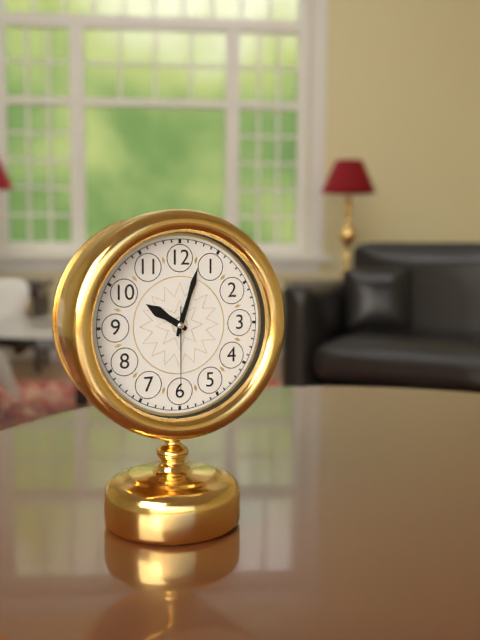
{"hour": 10, "minute": 3, "second": 30}
